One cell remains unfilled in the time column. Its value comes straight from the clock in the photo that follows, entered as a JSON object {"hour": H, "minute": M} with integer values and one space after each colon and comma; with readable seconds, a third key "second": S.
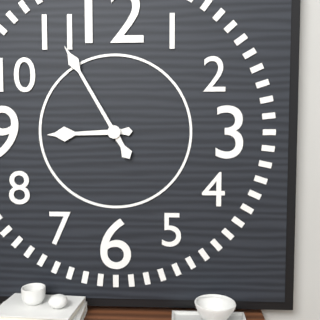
{"hour": 8, "minute": 55}
